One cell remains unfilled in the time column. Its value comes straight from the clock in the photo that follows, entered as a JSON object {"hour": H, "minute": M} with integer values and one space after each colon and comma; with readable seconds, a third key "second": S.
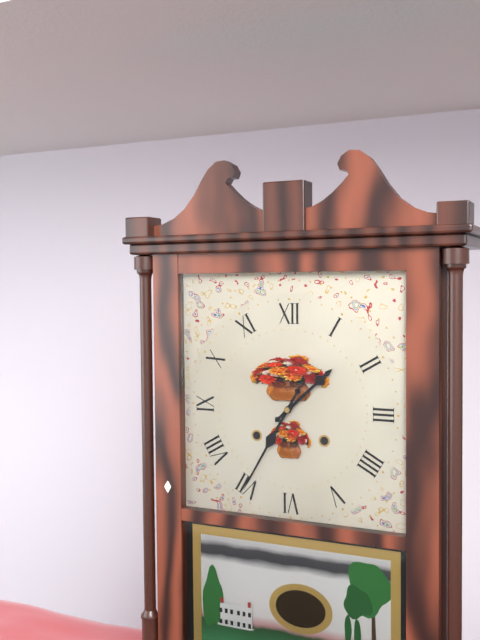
{"hour": 1, "minute": 35}
